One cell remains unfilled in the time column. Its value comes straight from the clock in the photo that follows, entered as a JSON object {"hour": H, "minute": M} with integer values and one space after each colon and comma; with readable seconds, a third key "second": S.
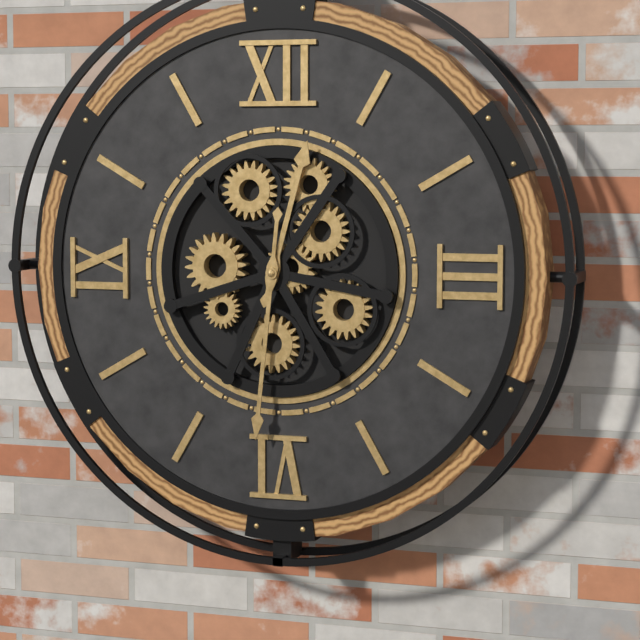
{"hour": 12, "minute": 31}
